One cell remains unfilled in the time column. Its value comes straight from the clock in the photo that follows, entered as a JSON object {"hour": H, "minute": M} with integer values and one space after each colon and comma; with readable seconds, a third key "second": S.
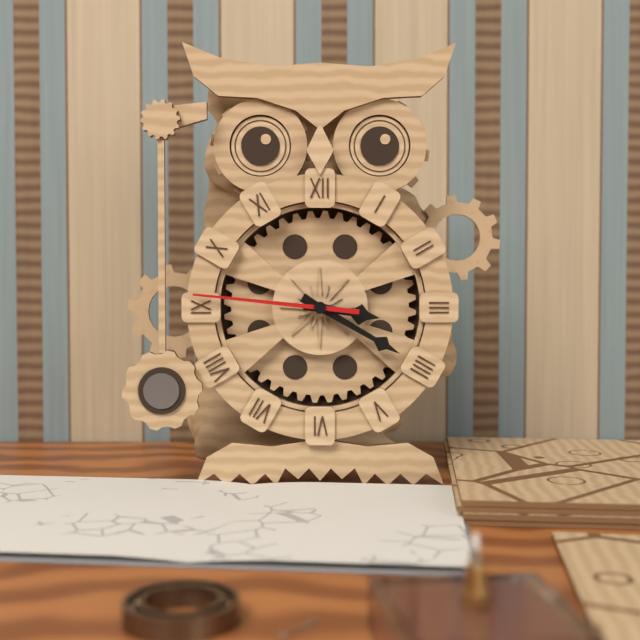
{"hour": 3, "minute": 20, "second": 46}
